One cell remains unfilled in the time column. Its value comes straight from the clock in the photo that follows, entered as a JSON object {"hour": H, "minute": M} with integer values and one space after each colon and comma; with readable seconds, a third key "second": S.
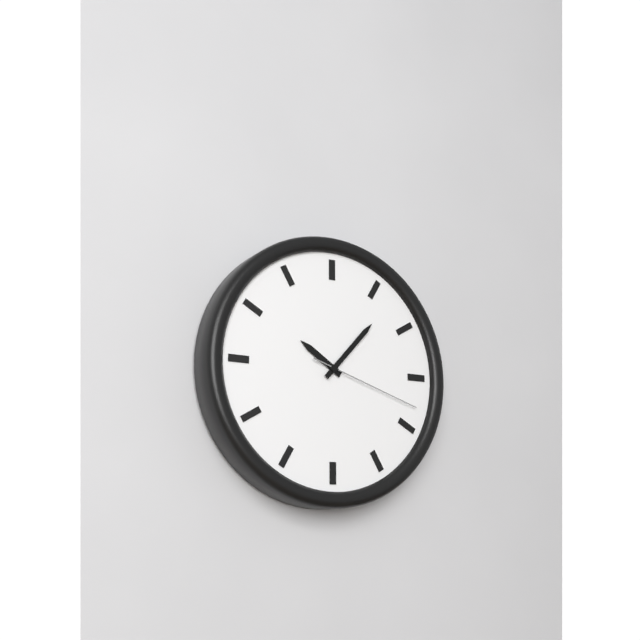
{"hour": 10, "minute": 7, "second": 18}
